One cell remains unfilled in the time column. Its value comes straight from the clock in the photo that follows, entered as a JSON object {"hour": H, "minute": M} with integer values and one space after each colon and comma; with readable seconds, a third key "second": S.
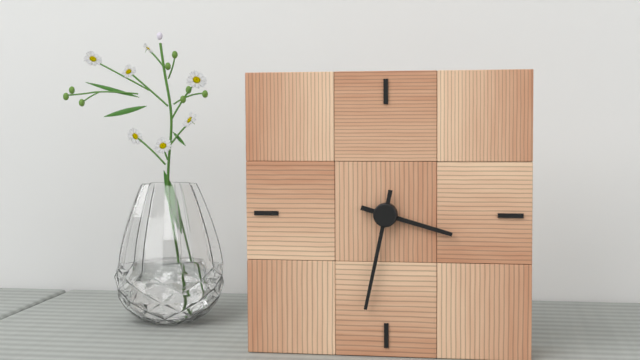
{"hour": 3, "minute": 32}
